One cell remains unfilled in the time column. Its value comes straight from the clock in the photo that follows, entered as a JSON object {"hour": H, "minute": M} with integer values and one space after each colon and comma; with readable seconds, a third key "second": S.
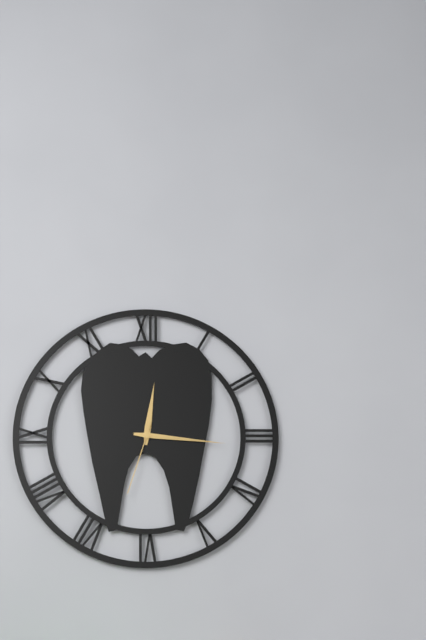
{"hour": 12, "minute": 16, "second": 33}
